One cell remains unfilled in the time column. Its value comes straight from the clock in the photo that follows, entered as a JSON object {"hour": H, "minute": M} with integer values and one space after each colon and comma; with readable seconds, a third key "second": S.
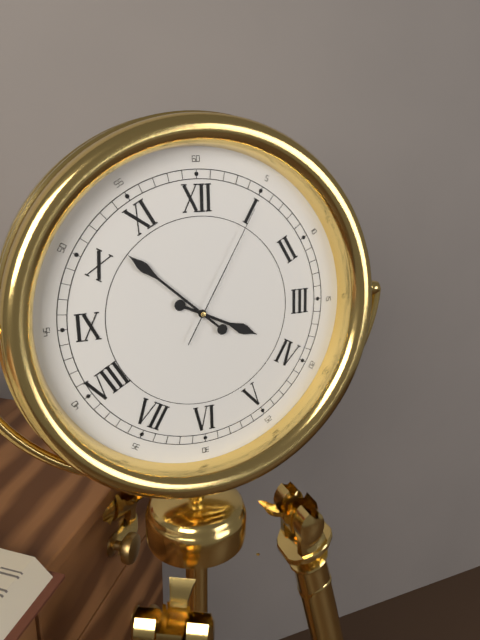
{"hour": 3, "minute": 52, "second": 5}
